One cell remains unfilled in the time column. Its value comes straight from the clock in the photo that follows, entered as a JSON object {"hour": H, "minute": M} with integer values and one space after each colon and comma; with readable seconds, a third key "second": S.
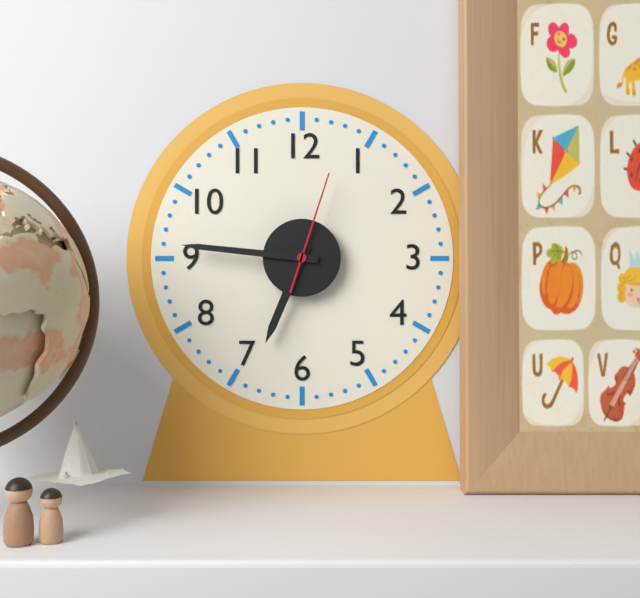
{"hour": 6, "minute": 46, "second": 3}
